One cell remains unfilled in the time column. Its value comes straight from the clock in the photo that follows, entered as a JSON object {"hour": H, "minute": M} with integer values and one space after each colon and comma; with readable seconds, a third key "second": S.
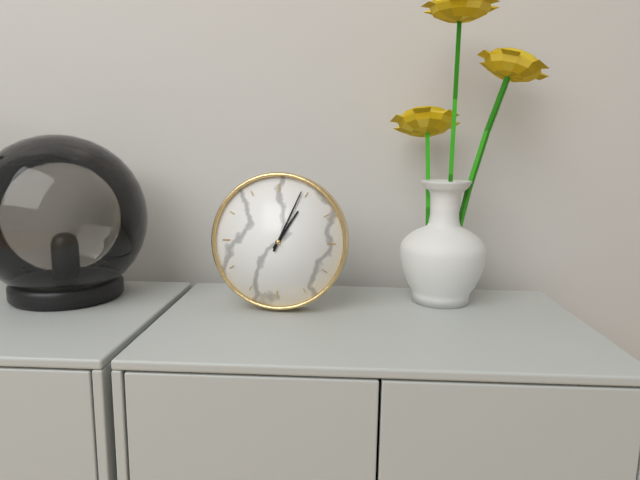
{"hour": 1, "minute": 4}
